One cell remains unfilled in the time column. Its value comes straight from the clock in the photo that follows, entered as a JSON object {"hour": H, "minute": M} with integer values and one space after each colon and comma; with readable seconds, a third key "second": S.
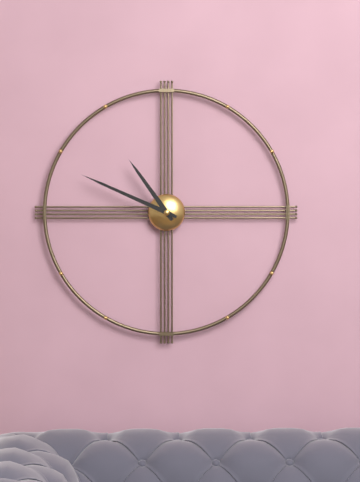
{"hour": 10, "minute": 49}
